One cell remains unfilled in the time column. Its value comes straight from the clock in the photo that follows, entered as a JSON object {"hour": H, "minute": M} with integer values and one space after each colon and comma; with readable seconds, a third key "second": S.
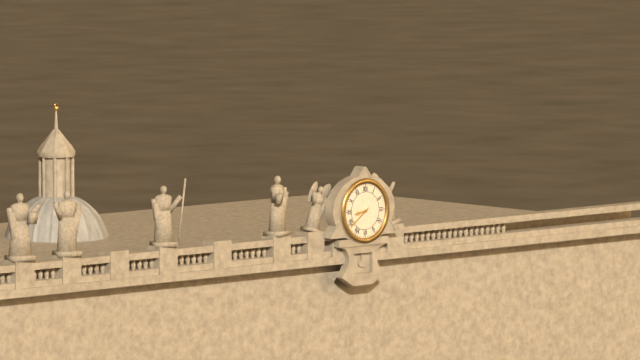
{"hour": 8, "minute": 39}
